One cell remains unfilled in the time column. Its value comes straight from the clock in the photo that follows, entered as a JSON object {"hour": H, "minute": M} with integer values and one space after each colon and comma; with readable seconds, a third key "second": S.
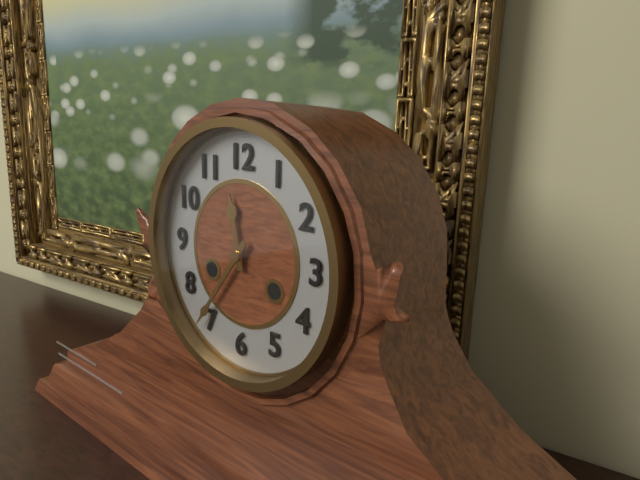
{"hour": 11, "minute": 36}
